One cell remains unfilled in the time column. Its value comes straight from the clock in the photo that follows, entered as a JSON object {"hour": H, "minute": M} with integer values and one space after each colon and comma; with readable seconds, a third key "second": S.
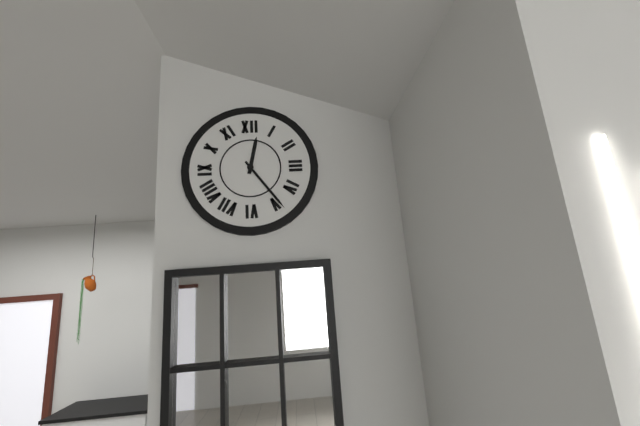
{"hour": 12, "minute": 24}
